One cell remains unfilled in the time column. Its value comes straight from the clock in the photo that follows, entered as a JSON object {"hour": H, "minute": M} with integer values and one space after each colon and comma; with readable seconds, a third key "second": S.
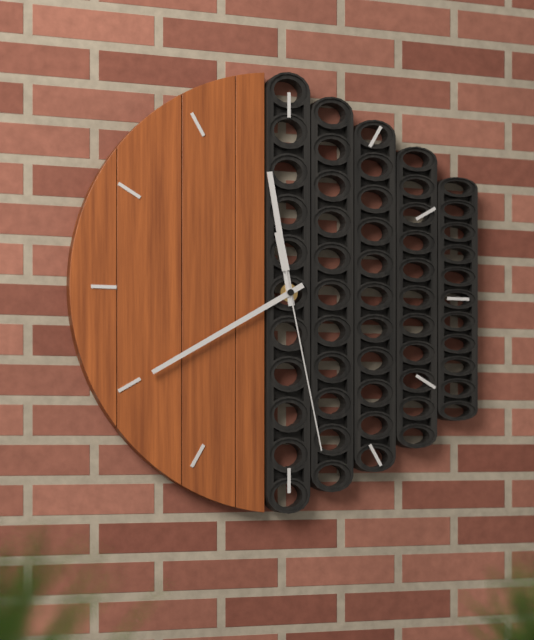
{"hour": 11, "minute": 40, "second": 28}
